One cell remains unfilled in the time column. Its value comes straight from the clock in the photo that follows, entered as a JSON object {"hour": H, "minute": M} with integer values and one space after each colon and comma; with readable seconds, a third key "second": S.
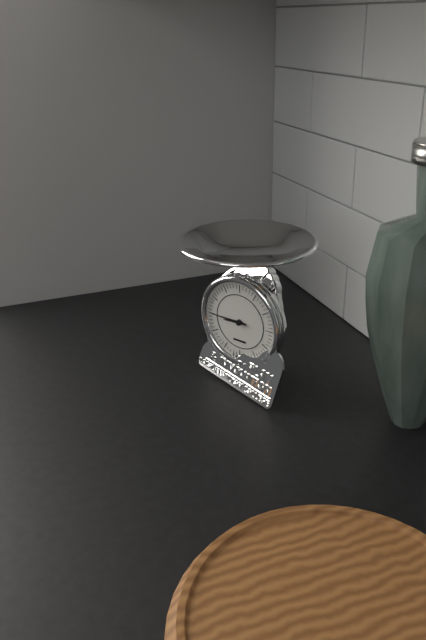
{"hour": 8, "minute": 45}
